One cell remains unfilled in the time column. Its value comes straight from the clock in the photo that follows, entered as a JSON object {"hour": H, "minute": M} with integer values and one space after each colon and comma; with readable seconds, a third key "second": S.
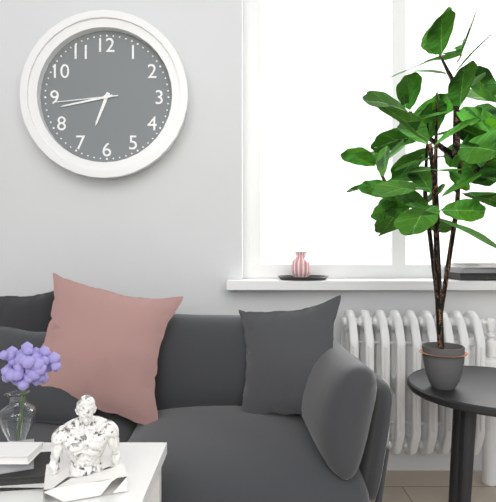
{"hour": 6, "minute": 43, "second": 44}
